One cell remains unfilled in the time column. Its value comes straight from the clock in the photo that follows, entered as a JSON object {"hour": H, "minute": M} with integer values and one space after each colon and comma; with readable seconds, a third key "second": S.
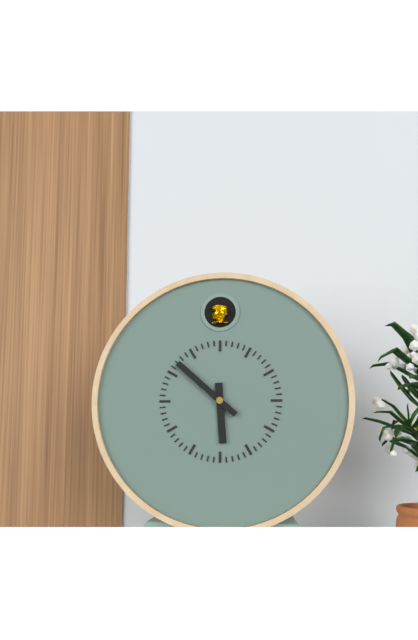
{"hour": 5, "minute": 52}
